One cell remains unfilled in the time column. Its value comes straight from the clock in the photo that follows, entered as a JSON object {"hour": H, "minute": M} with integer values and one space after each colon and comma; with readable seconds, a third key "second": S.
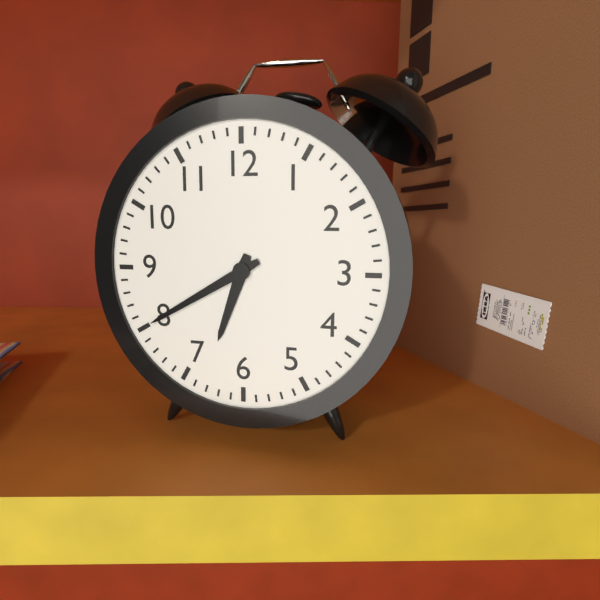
{"hour": 6, "minute": 40}
